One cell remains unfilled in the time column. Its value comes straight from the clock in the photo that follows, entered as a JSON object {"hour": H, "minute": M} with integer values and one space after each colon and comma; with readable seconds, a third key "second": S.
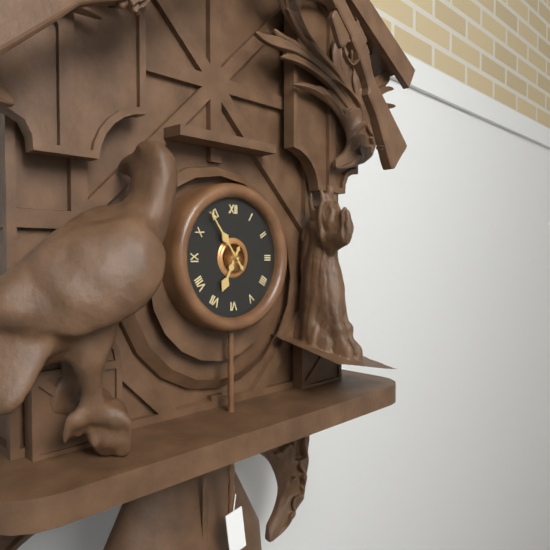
{"hour": 6, "minute": 54}
